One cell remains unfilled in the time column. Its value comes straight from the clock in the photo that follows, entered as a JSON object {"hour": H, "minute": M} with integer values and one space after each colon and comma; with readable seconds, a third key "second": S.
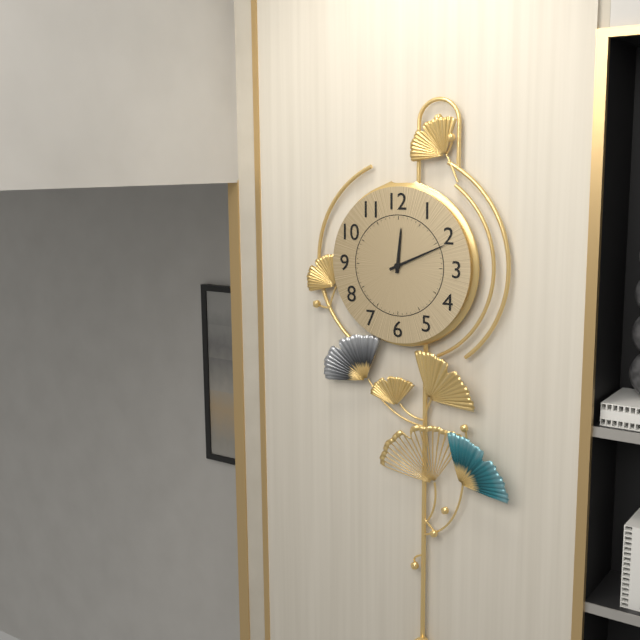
{"hour": 12, "minute": 11}
